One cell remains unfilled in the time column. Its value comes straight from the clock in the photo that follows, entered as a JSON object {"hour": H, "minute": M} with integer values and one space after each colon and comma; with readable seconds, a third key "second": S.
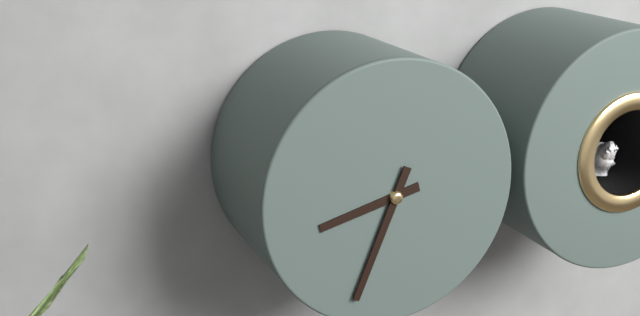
{"hour": 8, "minute": 34}
